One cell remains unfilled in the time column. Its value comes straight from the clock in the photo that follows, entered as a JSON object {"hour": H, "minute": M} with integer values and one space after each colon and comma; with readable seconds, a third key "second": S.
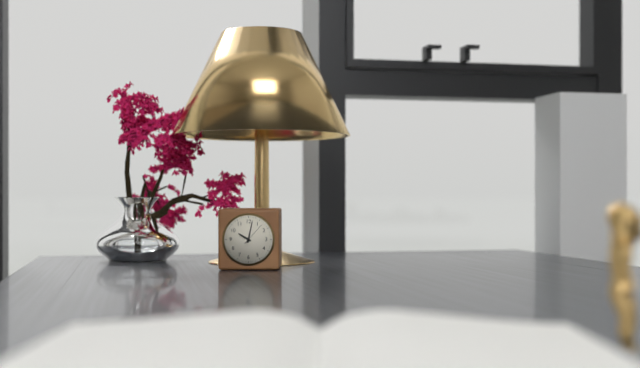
{"hour": 10, "minute": 2}
